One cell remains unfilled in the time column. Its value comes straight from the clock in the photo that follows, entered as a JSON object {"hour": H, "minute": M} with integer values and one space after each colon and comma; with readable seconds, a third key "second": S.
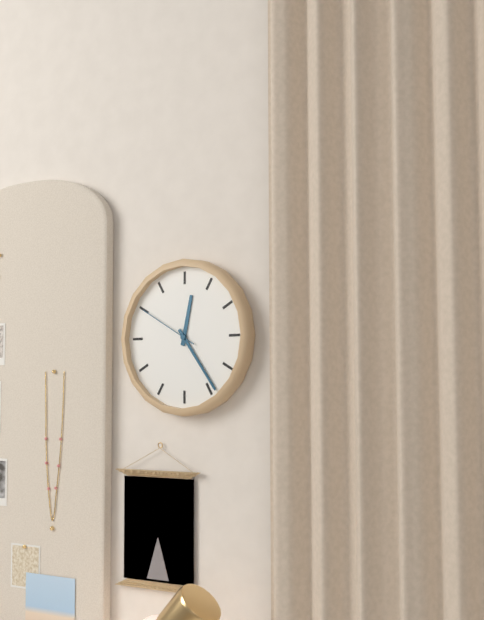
{"hour": 12, "minute": 24, "second": 50}
